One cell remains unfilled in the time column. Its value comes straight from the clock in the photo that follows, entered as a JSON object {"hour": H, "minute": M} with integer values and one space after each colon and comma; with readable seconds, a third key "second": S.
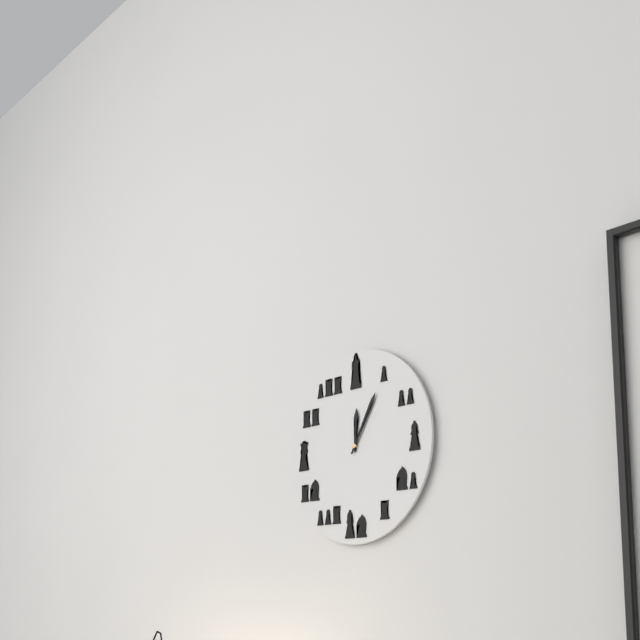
{"hour": 12, "minute": 5}
